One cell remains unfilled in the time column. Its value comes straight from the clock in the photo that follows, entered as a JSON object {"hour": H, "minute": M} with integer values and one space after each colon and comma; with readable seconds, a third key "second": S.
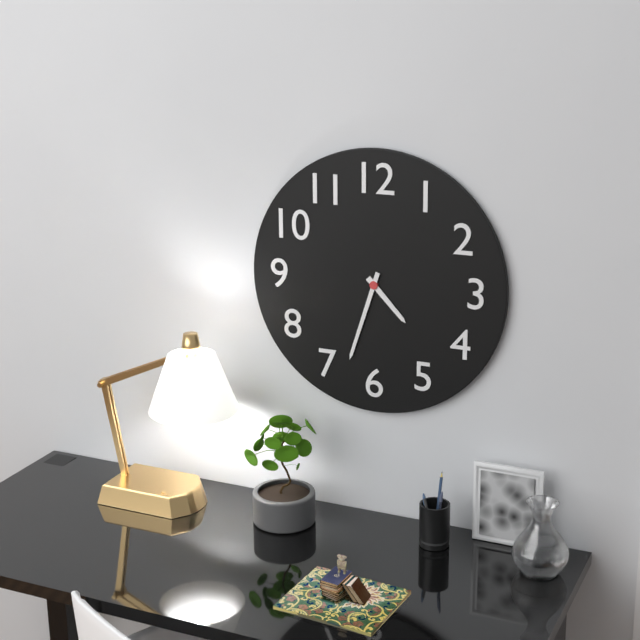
{"hour": 4, "minute": 33}
